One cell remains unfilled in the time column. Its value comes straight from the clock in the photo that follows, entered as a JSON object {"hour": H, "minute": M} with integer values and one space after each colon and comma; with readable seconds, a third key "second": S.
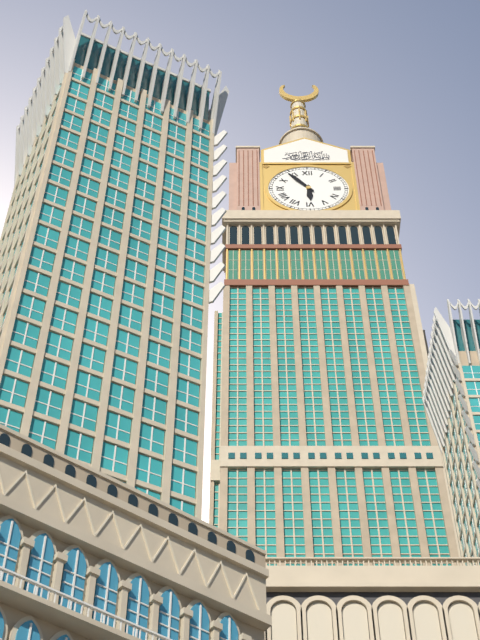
{"hour": 5, "minute": 54}
